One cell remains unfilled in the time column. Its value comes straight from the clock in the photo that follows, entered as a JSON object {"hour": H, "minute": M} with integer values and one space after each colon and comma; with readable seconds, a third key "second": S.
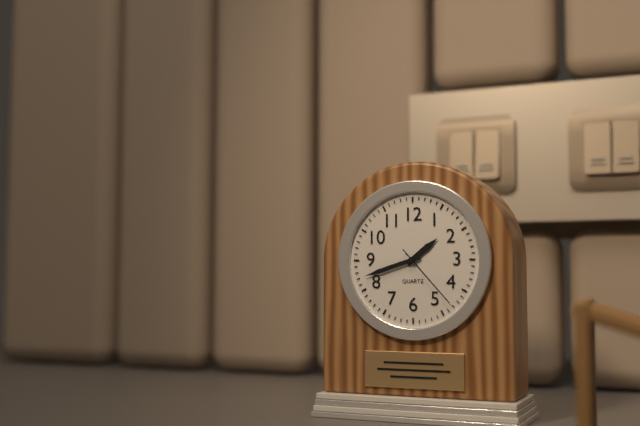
{"hour": 1, "minute": 42, "second": 23}
